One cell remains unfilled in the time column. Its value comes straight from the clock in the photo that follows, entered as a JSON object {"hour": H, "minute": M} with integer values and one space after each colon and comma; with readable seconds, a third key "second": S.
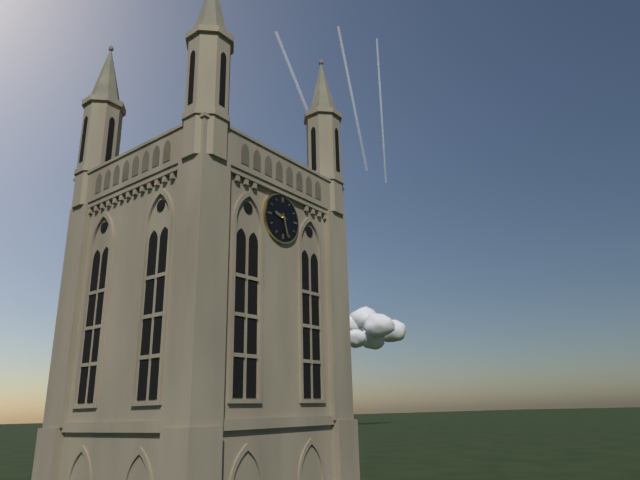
{"hour": 9, "minute": 27}
